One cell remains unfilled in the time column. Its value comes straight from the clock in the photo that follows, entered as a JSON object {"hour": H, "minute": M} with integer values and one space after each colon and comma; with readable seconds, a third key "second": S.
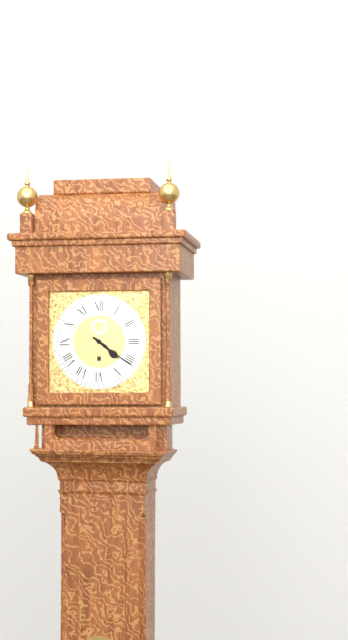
{"hour": 4, "minute": 21}
